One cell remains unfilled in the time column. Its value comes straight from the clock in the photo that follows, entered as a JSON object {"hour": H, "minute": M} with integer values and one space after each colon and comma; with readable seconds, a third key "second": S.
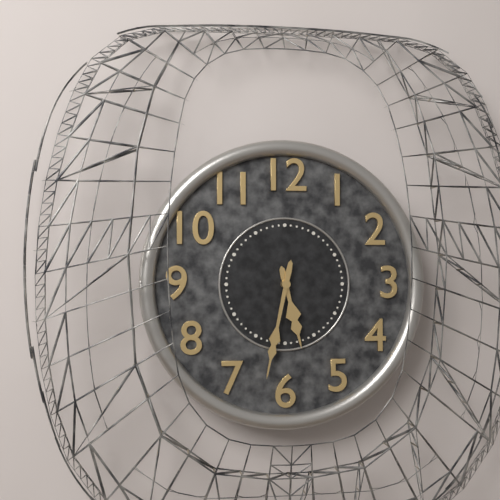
{"hour": 5, "minute": 32}
